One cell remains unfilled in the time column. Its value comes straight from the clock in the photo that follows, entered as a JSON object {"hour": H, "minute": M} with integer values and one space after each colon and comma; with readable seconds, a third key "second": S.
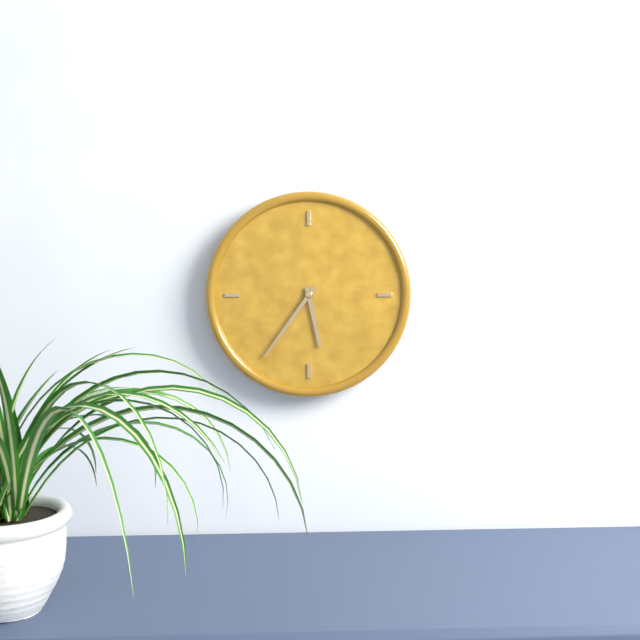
{"hour": 5, "minute": 36}
